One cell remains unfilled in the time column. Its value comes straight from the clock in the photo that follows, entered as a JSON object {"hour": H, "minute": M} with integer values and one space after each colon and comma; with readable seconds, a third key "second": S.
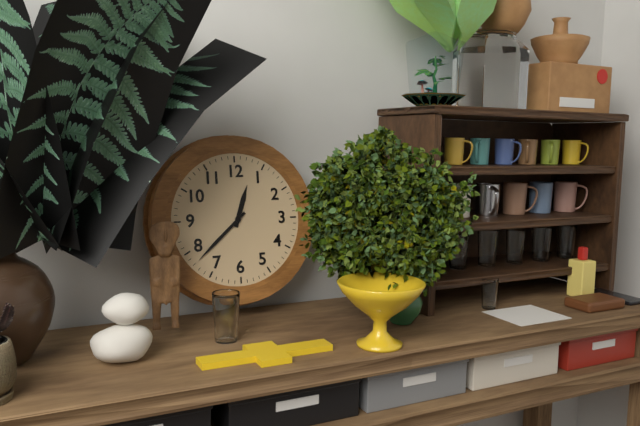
{"hour": 12, "minute": 38}
